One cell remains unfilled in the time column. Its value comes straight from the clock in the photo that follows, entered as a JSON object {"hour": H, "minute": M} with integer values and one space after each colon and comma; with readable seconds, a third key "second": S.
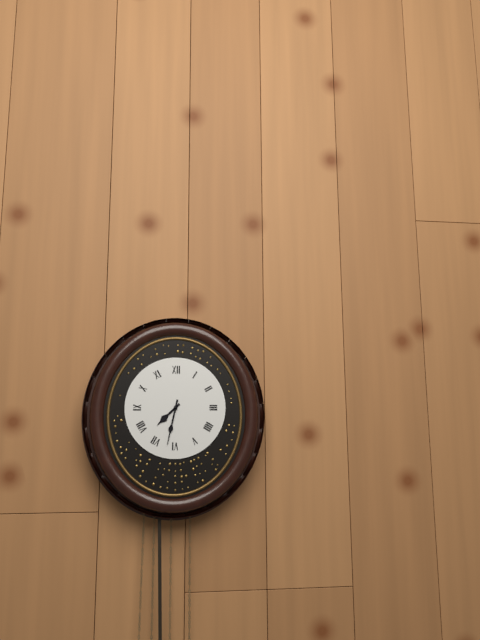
{"hour": 7, "minute": 32}
